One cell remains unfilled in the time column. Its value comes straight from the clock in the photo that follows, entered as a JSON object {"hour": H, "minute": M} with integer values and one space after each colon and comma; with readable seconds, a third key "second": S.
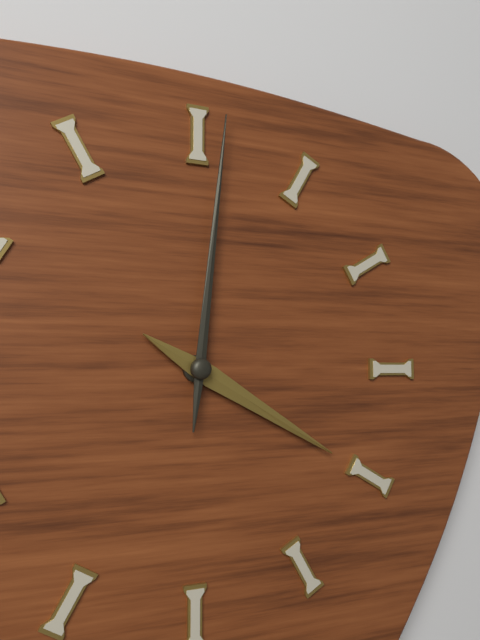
{"hour": 4, "minute": 1}
